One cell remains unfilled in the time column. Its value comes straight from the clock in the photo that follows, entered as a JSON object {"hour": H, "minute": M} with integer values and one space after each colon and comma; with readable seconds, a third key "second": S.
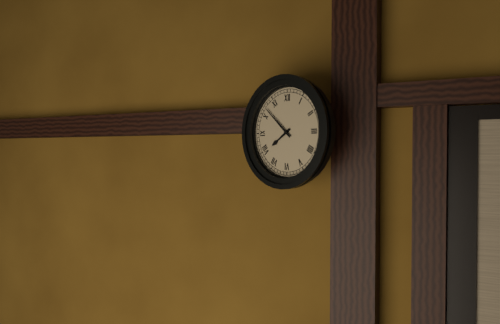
{"hour": 7, "minute": 52}
